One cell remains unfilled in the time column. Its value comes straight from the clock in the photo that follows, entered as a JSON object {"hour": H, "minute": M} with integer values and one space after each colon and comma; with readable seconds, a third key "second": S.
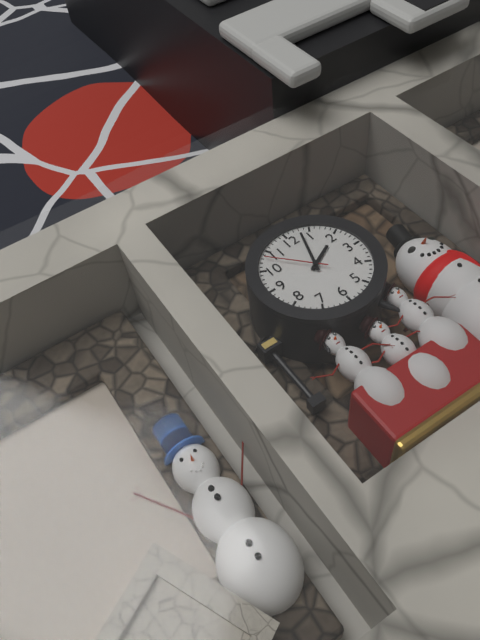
{"hour": 2, "minute": 3, "second": 53}
